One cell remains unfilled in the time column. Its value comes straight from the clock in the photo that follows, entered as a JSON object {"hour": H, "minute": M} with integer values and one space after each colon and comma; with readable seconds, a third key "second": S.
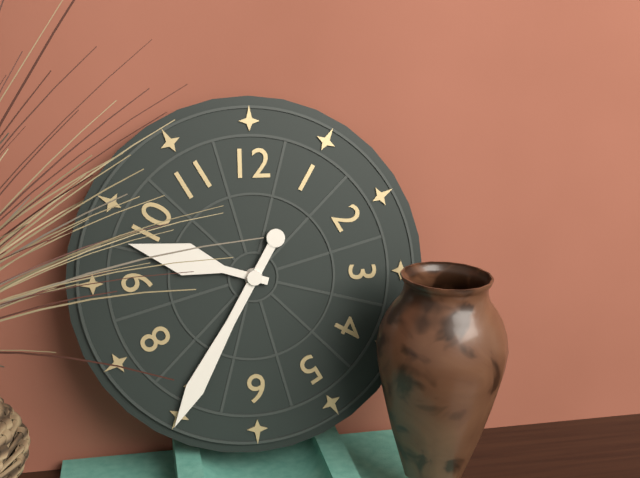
{"hour": 9, "minute": 35}
